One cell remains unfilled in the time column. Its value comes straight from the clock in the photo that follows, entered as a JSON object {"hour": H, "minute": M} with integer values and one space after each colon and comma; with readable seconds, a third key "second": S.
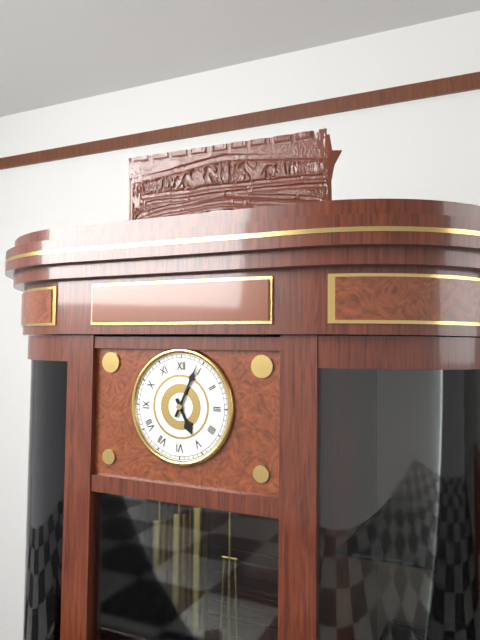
{"hour": 5, "minute": 4}
